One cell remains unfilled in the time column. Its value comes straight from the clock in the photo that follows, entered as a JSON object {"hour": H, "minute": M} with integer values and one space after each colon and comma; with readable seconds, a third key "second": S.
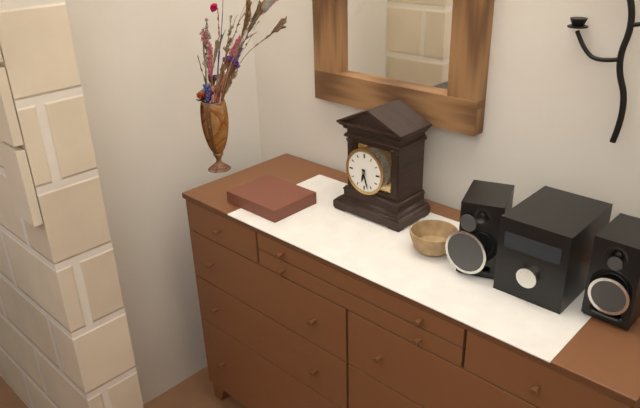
{"hour": 6, "minute": 27}
